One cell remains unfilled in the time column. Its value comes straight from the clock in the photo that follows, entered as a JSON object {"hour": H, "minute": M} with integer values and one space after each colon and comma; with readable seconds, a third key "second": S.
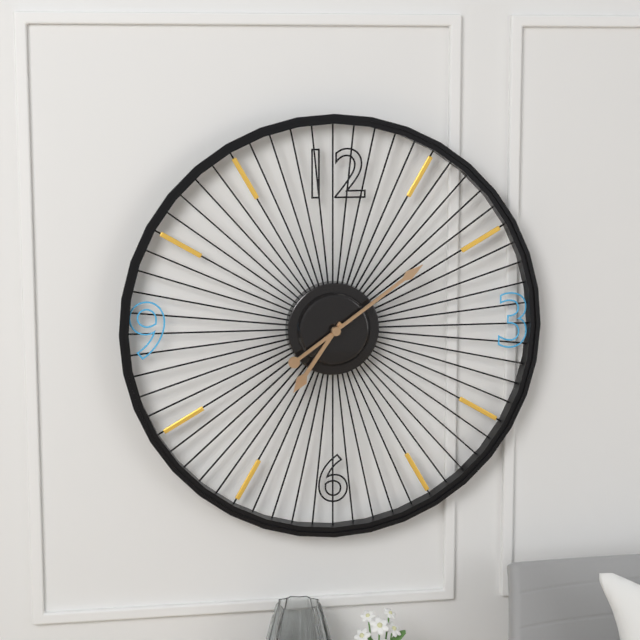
{"hour": 7, "minute": 9}
